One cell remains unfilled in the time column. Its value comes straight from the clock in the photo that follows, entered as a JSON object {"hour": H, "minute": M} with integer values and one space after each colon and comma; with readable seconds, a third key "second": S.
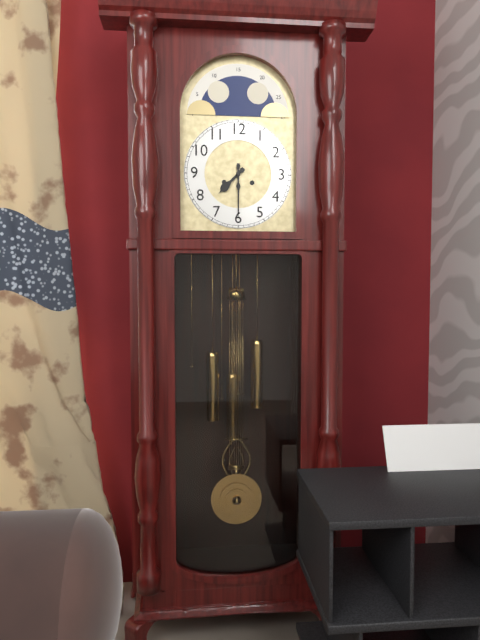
{"hour": 7, "minute": 30}
